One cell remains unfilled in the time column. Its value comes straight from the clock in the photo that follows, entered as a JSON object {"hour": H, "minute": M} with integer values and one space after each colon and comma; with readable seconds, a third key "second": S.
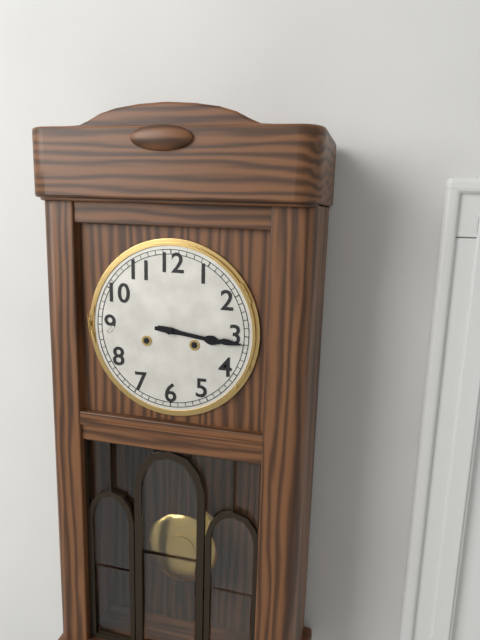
{"hour": 3, "minute": 16}
